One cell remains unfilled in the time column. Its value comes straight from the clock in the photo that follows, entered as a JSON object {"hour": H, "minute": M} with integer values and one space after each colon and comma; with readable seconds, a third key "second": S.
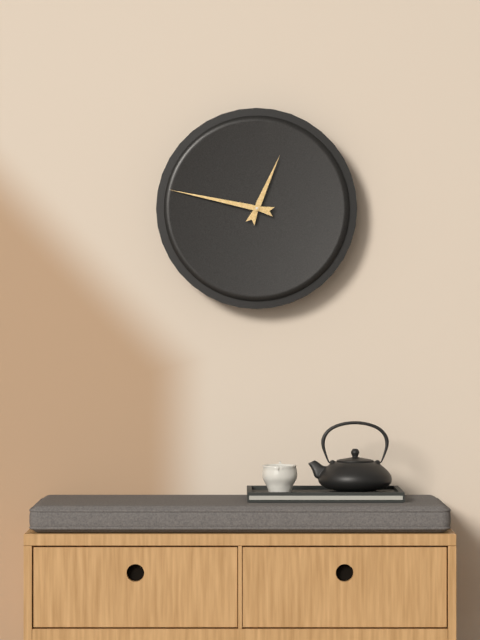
{"hour": 12, "minute": 47}
